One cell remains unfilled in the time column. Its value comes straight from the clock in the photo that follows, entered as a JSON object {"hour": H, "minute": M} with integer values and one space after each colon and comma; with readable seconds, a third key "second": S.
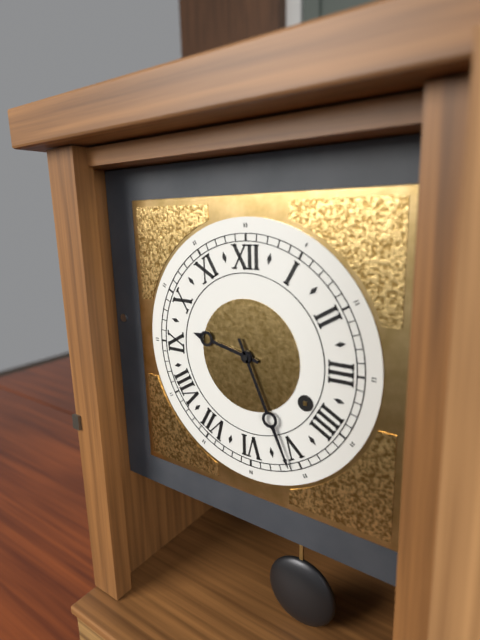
{"hour": 9, "minute": 26}
